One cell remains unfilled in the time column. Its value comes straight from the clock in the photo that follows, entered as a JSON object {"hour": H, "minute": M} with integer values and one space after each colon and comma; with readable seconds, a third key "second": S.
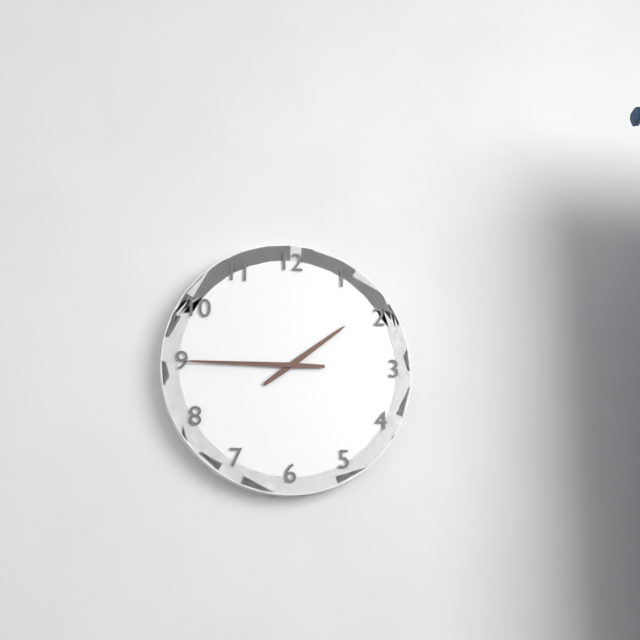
{"hour": 1, "minute": 45}
